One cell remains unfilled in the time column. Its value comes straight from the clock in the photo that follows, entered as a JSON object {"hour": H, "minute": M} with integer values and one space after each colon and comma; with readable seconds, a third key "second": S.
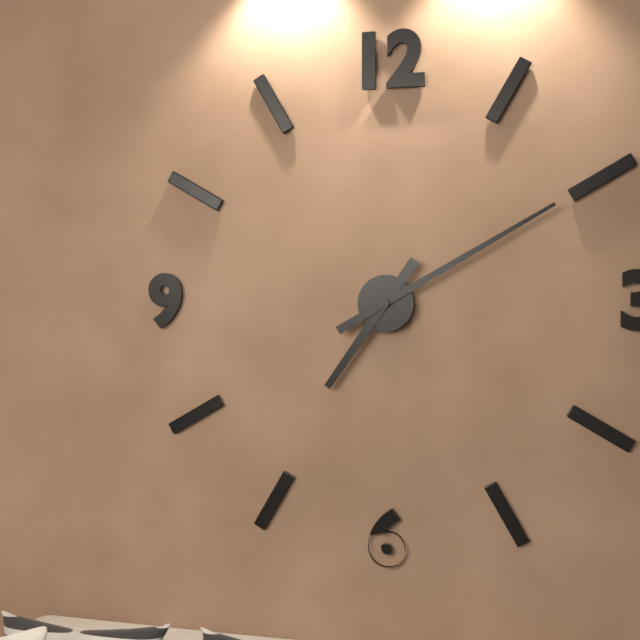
{"hour": 7, "minute": 10}
